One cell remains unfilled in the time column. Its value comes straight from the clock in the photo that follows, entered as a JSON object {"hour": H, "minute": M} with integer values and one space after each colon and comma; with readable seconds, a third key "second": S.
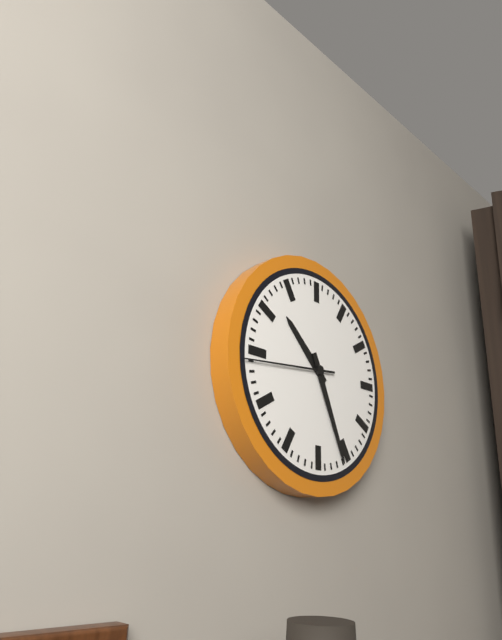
{"hour": 10, "minute": 26, "second": 44}
